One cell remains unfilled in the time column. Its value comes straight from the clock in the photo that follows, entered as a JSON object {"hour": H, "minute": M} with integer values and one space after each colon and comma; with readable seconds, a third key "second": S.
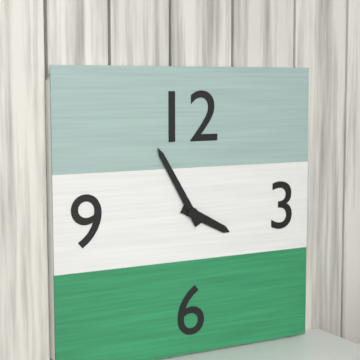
{"hour": 3, "minute": 55}
